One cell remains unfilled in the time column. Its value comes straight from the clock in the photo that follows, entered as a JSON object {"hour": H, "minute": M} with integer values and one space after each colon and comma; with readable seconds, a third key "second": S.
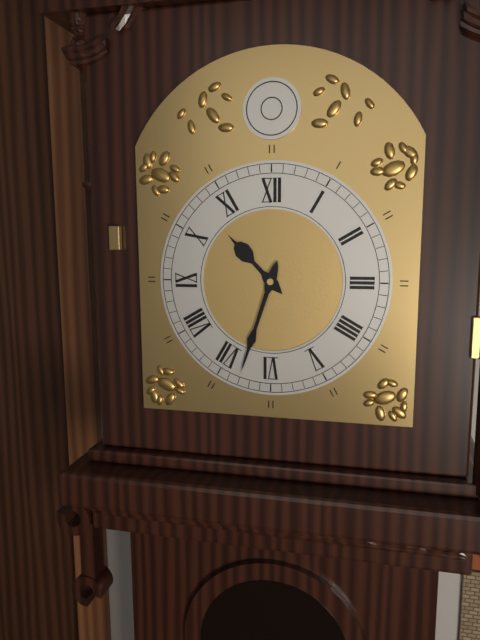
{"hour": 10, "minute": 33}
